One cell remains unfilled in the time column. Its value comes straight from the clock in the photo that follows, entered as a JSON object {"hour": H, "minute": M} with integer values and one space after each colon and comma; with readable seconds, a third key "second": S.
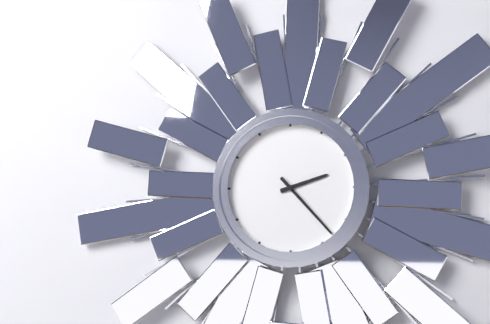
{"hour": 2, "minute": 23}
